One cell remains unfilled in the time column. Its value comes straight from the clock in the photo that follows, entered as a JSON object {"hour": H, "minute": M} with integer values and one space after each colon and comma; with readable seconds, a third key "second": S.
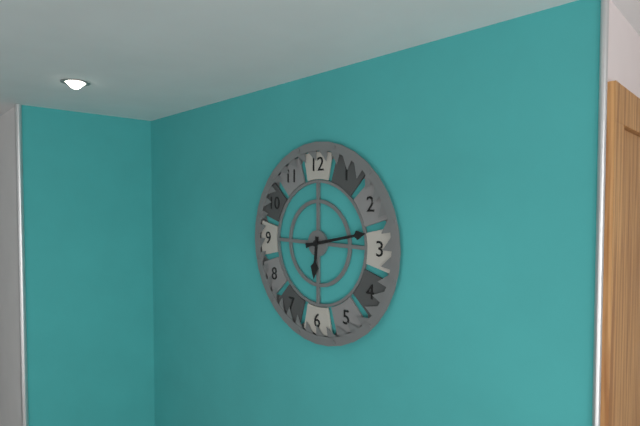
{"hour": 6, "minute": 13}
